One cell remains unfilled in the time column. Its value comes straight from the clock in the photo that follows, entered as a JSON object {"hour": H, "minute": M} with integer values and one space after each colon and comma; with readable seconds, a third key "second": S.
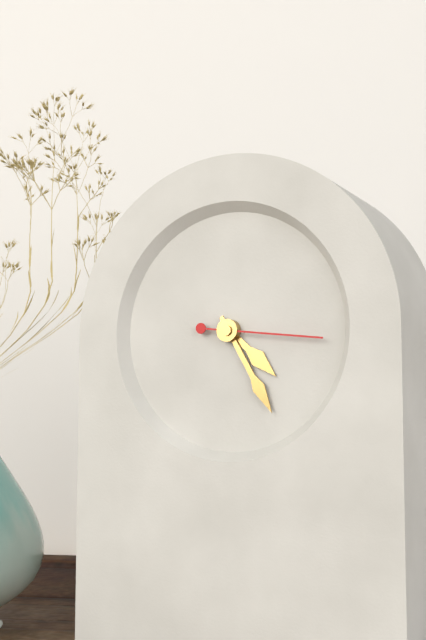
{"hour": 4, "minute": 25, "second": 16}
